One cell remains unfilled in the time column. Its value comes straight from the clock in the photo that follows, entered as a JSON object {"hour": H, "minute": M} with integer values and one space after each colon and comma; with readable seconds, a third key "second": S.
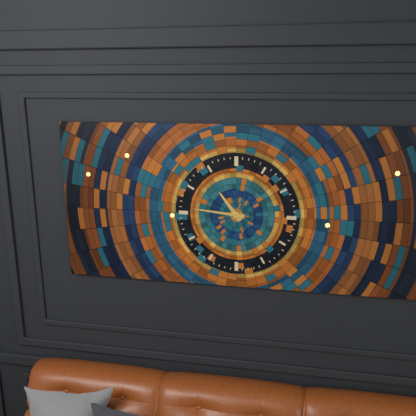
{"hour": 10, "minute": 46}
